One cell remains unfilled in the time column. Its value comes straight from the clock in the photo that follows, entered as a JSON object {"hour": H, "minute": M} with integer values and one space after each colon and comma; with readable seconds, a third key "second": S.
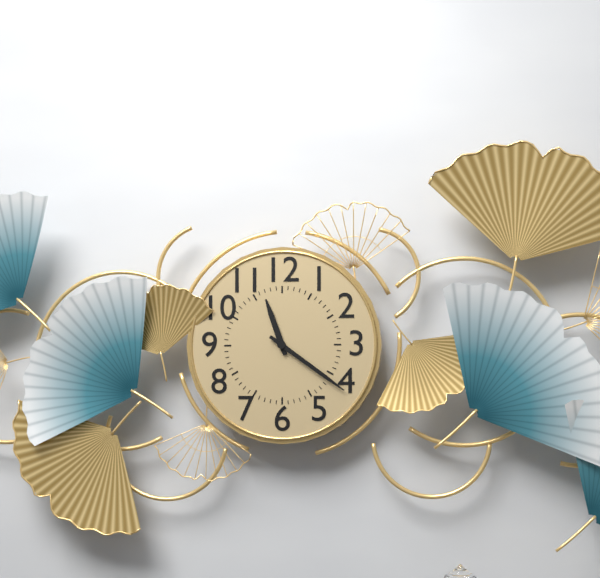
{"hour": 11, "minute": 21}
